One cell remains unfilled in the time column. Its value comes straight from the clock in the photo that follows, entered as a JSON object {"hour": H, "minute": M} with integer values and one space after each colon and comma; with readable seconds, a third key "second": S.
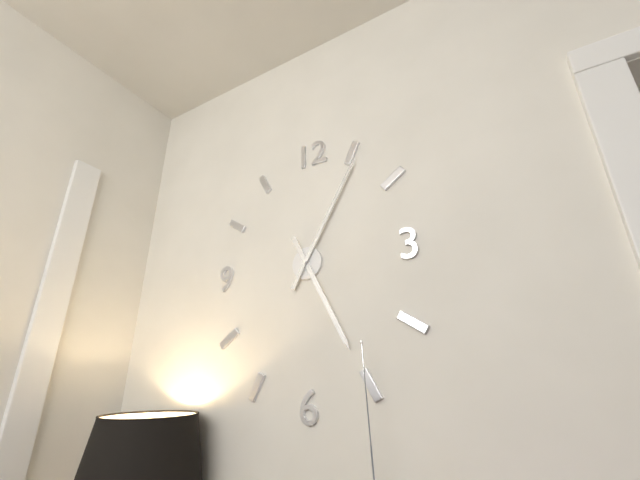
{"hour": 5, "minute": 5}
